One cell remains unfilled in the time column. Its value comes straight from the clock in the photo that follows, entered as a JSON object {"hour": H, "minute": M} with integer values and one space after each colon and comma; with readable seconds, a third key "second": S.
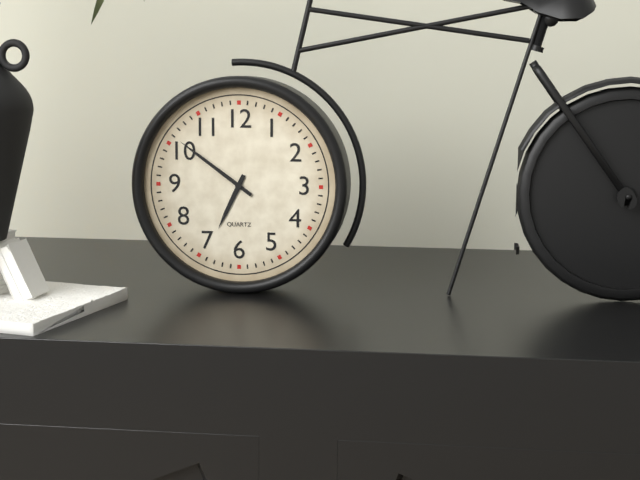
{"hour": 6, "minute": 51}
